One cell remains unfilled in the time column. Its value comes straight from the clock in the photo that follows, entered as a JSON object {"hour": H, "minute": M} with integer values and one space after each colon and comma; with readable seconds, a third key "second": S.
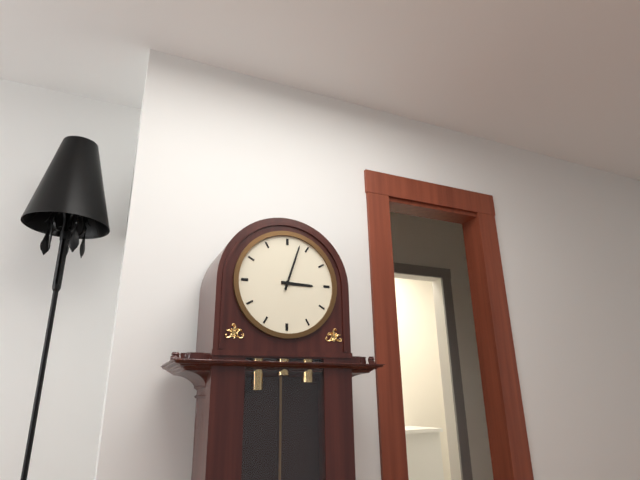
{"hour": 3, "minute": 3}
